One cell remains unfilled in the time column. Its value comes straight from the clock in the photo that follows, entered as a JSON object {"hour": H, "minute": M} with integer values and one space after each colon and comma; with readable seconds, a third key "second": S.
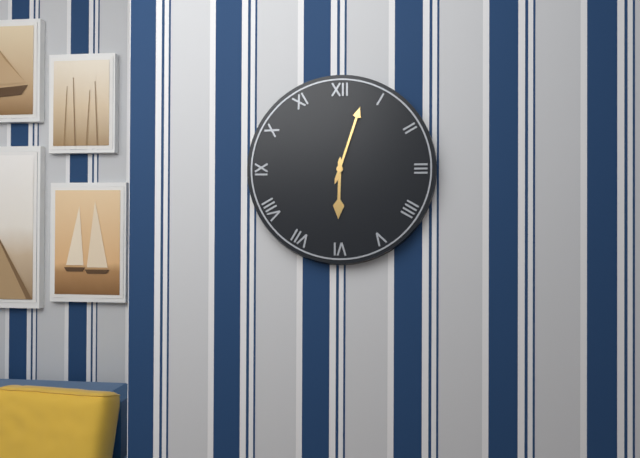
{"hour": 6, "minute": 3}
